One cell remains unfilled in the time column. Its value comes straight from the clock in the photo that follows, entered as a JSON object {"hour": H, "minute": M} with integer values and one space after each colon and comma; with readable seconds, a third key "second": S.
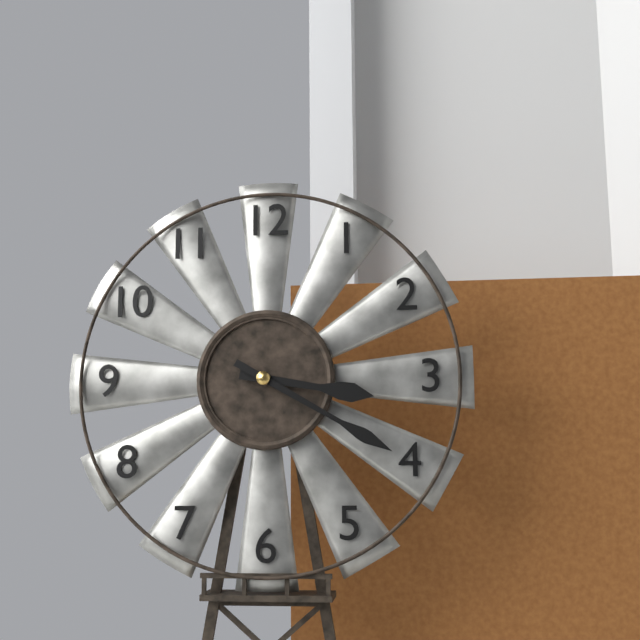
{"hour": 3, "minute": 20}
